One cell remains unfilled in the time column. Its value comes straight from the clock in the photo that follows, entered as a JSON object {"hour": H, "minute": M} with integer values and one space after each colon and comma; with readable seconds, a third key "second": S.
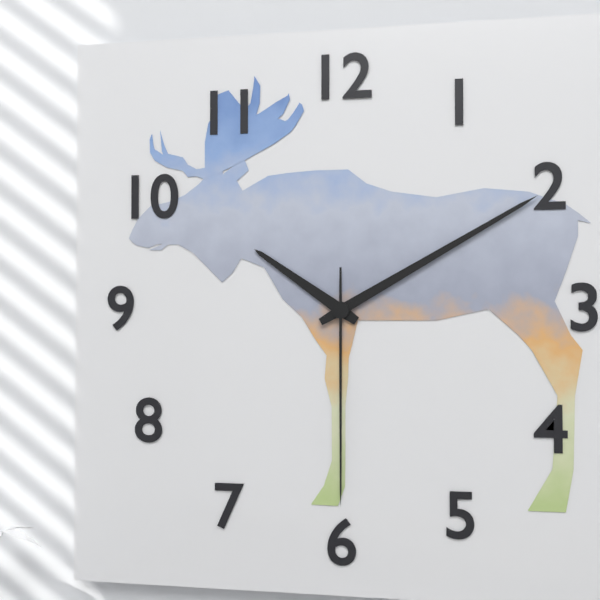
{"hour": 10, "minute": 10, "second": 30}
